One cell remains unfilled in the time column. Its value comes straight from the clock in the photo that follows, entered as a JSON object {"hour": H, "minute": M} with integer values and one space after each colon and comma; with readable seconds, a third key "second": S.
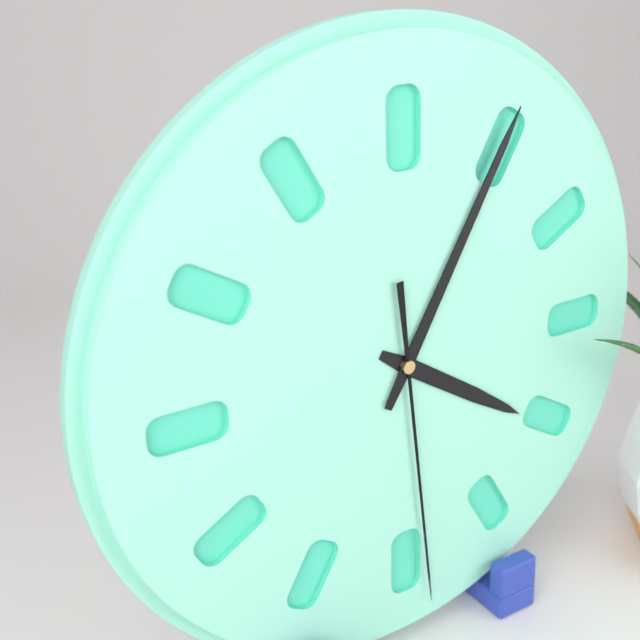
{"hour": 4, "minute": 5, "second": 29}
